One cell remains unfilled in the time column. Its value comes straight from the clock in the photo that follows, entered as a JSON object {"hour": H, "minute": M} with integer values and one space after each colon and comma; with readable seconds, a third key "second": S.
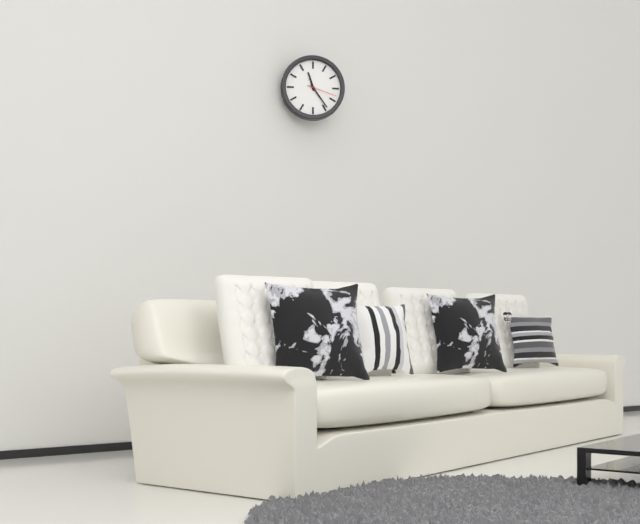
{"hour": 11, "minute": 24}
